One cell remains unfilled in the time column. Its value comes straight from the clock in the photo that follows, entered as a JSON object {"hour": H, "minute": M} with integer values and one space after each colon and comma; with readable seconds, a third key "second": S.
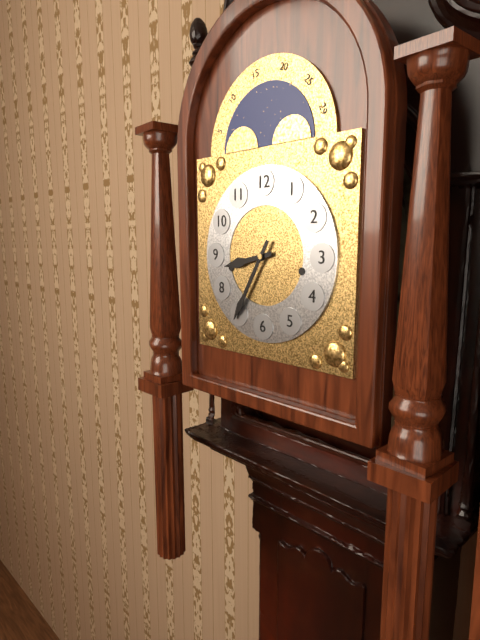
{"hour": 8, "minute": 35}
